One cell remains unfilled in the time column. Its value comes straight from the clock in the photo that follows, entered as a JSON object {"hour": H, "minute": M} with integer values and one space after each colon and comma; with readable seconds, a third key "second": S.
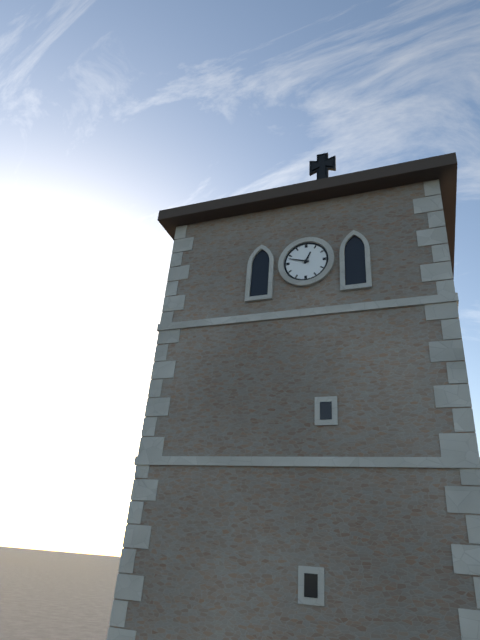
{"hour": 12, "minute": 48}
